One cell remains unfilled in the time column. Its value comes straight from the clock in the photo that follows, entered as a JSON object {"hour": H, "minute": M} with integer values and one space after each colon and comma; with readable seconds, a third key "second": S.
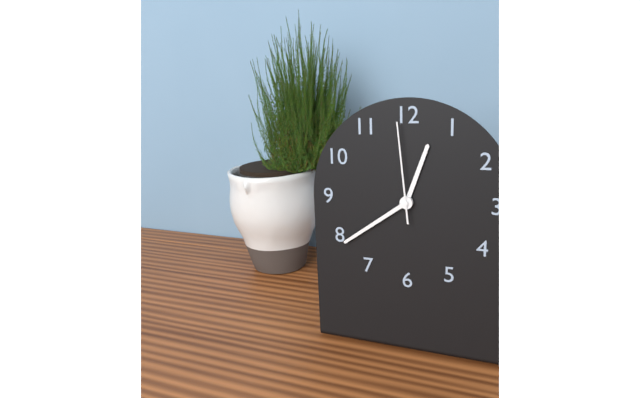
{"hour": 12, "minute": 39, "second": 59}
